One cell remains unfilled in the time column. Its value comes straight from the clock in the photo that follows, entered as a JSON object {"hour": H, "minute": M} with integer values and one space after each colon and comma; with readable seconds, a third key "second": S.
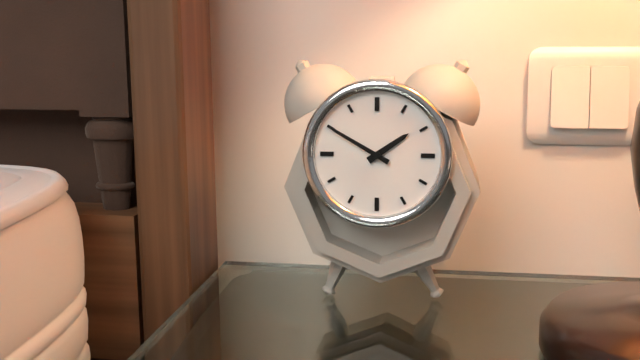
{"hour": 1, "minute": 50}
